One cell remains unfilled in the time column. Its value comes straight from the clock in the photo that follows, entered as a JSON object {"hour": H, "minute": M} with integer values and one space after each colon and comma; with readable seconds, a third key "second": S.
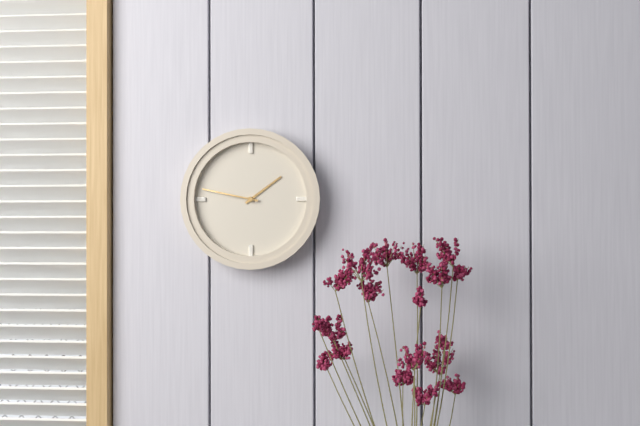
{"hour": 1, "minute": 47}
